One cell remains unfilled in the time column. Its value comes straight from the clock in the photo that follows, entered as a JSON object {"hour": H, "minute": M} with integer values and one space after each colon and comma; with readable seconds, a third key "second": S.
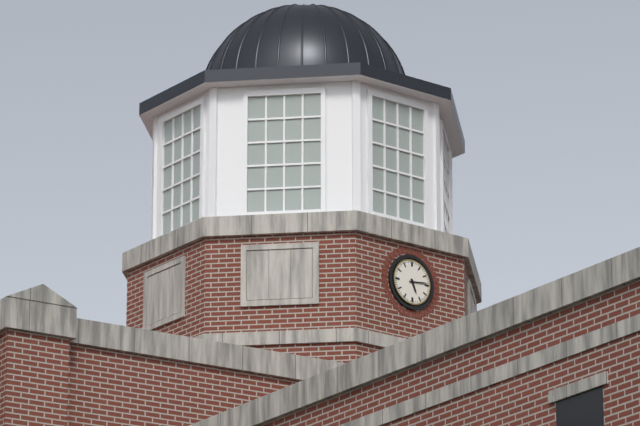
{"hour": 5, "minute": 14}
